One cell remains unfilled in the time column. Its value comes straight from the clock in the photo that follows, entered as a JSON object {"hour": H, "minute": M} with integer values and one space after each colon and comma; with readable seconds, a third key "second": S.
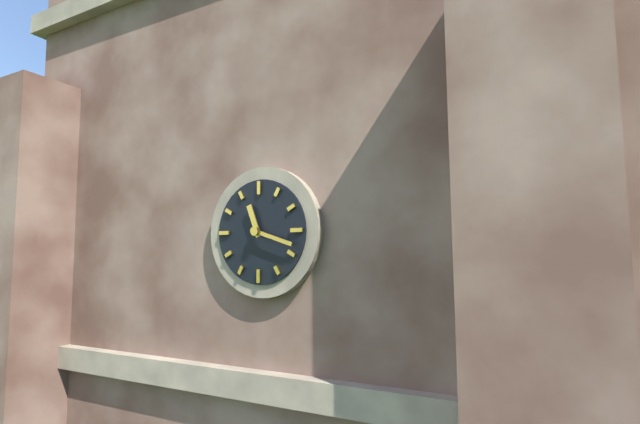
{"hour": 11, "minute": 18}
